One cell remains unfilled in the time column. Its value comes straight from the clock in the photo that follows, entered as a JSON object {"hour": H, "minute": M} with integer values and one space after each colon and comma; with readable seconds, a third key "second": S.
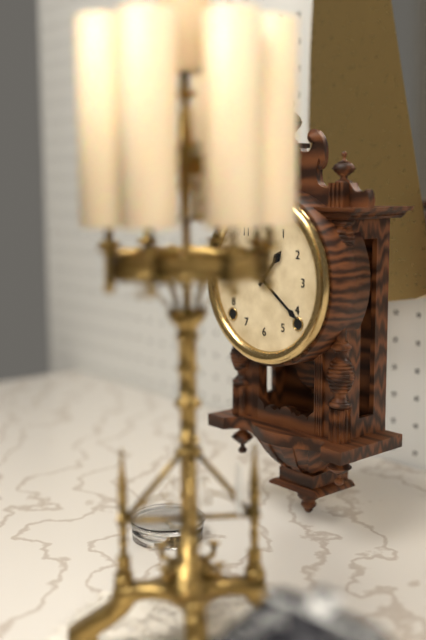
{"hour": 1, "minute": 21}
